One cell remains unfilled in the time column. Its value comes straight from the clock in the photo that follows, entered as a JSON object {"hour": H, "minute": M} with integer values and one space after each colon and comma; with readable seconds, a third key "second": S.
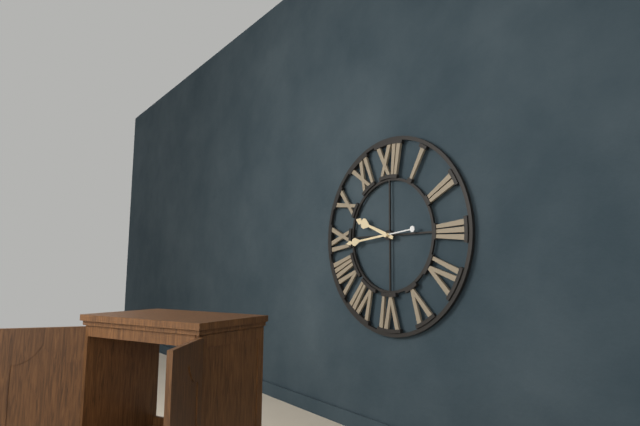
{"hour": 9, "minute": 44}
